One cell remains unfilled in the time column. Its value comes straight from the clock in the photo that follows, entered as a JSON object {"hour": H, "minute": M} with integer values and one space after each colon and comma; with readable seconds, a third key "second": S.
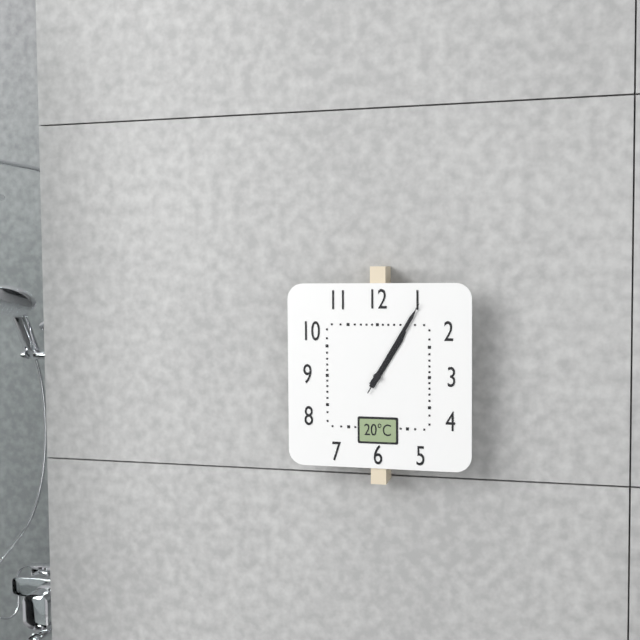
{"hour": 1, "minute": 5, "second": 5}
